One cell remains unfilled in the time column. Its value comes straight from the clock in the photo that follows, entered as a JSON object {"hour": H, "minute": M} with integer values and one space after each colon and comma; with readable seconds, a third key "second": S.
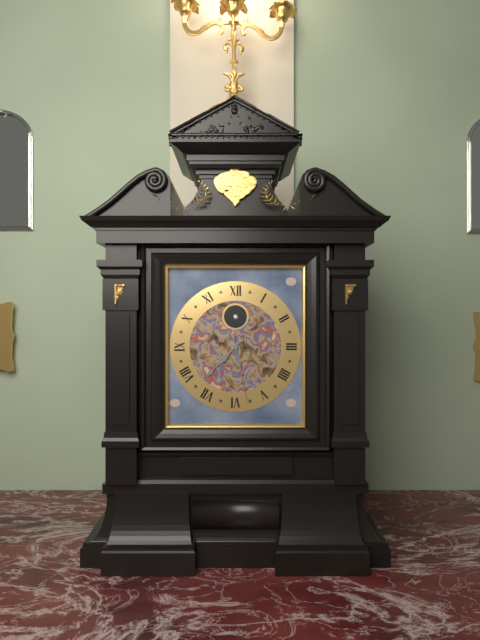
{"hour": 7, "minute": 28}
